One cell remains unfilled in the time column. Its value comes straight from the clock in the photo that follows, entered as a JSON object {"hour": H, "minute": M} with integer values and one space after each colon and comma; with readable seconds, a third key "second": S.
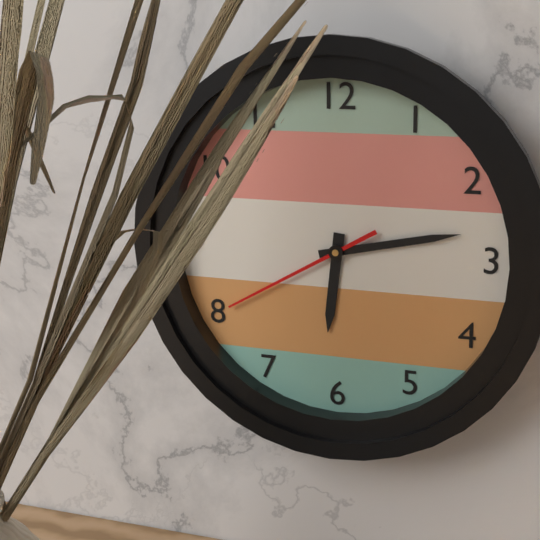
{"hour": 6, "minute": 13, "second": 40}
